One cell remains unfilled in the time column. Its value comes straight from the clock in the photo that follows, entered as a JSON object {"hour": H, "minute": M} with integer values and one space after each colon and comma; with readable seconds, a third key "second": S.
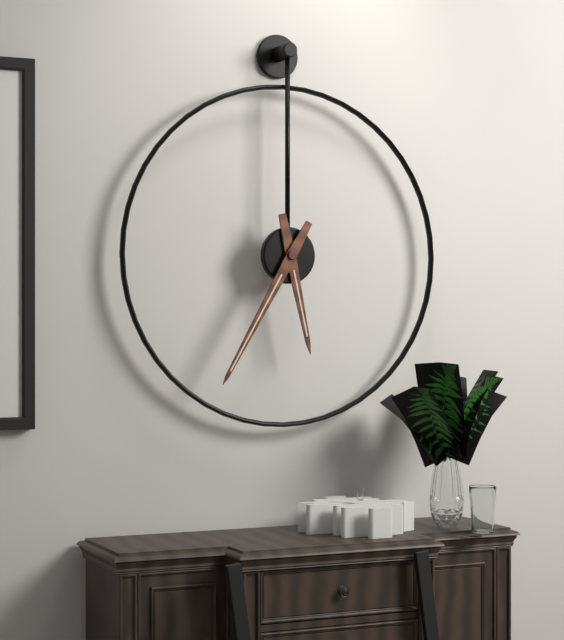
{"hour": 5, "minute": 35}
